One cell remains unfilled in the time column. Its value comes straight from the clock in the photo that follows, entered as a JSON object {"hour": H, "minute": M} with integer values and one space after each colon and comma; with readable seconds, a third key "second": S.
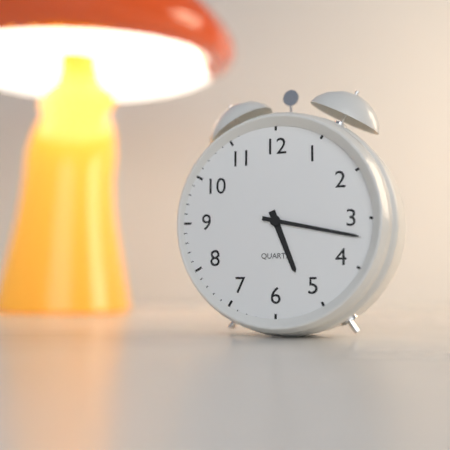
{"hour": 5, "minute": 17}
